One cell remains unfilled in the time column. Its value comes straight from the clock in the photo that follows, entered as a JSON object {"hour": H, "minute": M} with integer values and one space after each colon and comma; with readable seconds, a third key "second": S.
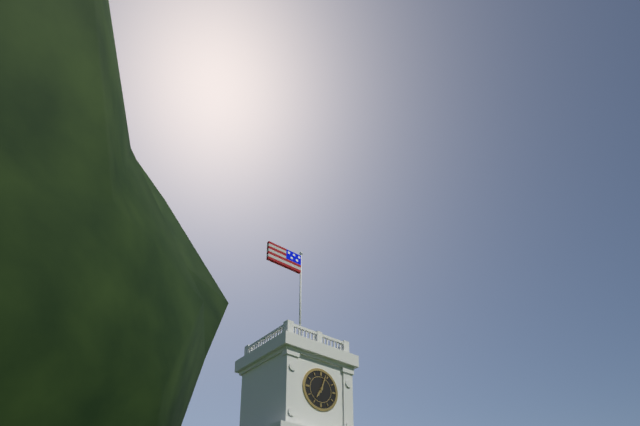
{"hour": 7, "minute": 3}
